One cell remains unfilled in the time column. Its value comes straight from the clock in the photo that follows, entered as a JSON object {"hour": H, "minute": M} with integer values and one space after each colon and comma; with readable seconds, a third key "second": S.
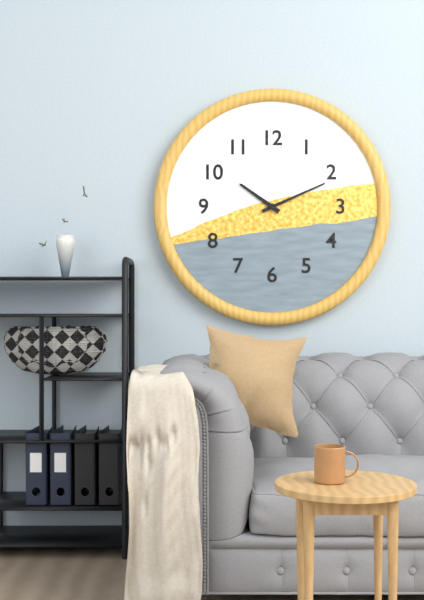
{"hour": 10, "minute": 11}
